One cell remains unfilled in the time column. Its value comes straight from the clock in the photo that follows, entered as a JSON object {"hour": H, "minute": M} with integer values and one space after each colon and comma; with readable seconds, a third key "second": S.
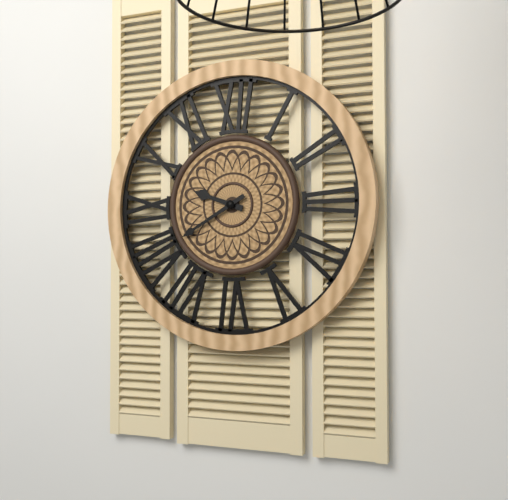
{"hour": 9, "minute": 40}
